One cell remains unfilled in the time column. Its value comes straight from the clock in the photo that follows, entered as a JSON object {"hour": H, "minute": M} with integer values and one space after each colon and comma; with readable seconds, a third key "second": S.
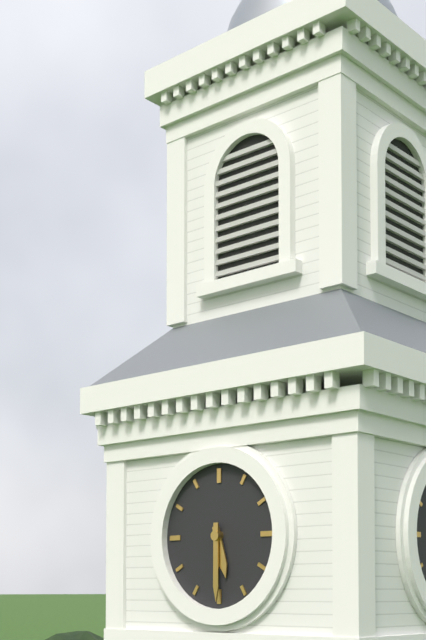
{"hour": 5, "minute": 30}
